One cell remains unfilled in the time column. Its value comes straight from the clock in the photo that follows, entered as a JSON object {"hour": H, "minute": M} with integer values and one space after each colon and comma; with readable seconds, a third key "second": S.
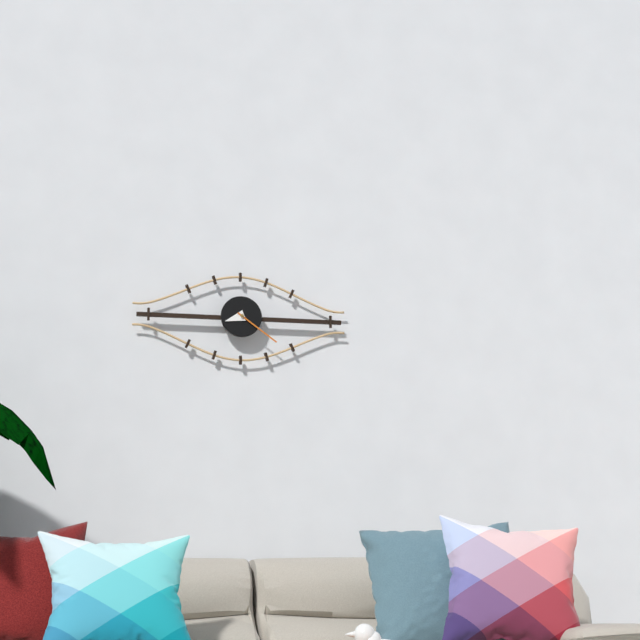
{"hour": 8, "minute": 21}
